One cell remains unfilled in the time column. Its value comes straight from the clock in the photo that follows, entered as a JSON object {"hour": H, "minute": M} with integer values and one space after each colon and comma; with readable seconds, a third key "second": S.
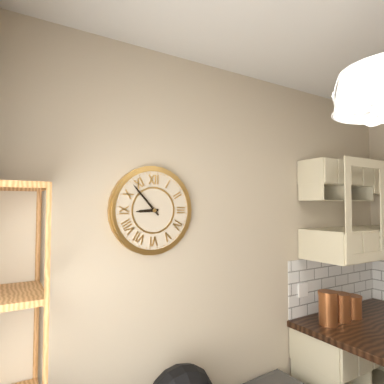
{"hour": 8, "minute": 53}
